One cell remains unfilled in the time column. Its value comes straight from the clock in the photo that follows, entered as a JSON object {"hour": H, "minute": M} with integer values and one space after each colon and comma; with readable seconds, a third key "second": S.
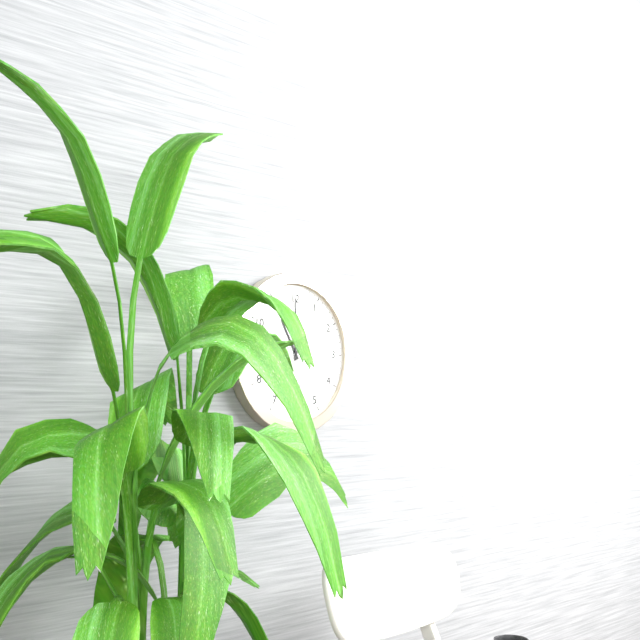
{"hour": 11, "minute": 0}
